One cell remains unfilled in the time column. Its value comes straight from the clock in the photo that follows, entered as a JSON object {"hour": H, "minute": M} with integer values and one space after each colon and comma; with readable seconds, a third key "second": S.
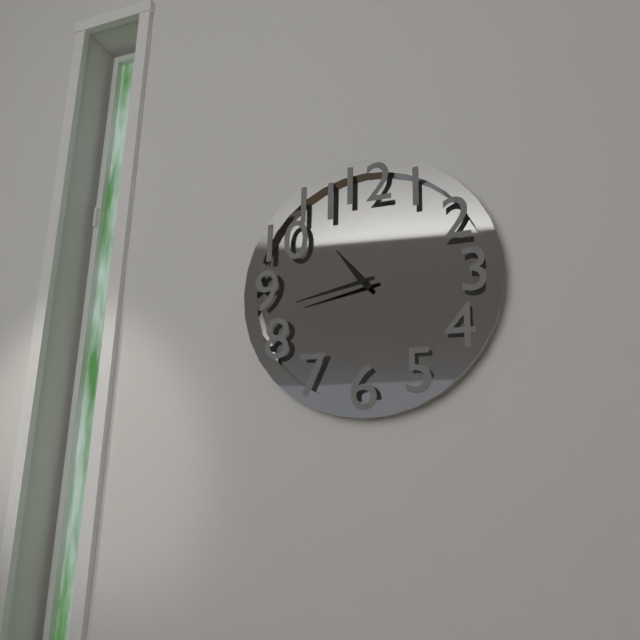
{"hour": 10, "minute": 43}
